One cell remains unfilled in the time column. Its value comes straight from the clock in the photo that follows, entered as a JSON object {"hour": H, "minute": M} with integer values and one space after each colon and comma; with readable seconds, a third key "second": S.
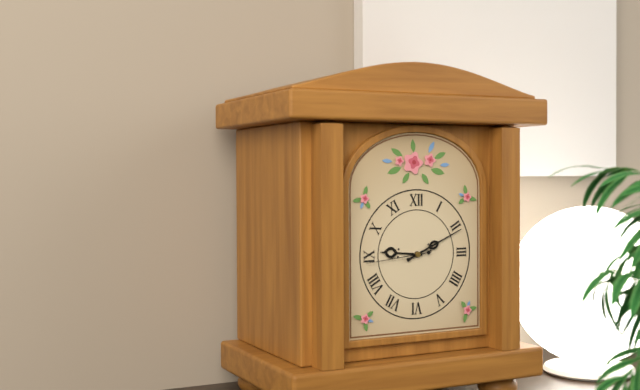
{"hour": 9, "minute": 11}
